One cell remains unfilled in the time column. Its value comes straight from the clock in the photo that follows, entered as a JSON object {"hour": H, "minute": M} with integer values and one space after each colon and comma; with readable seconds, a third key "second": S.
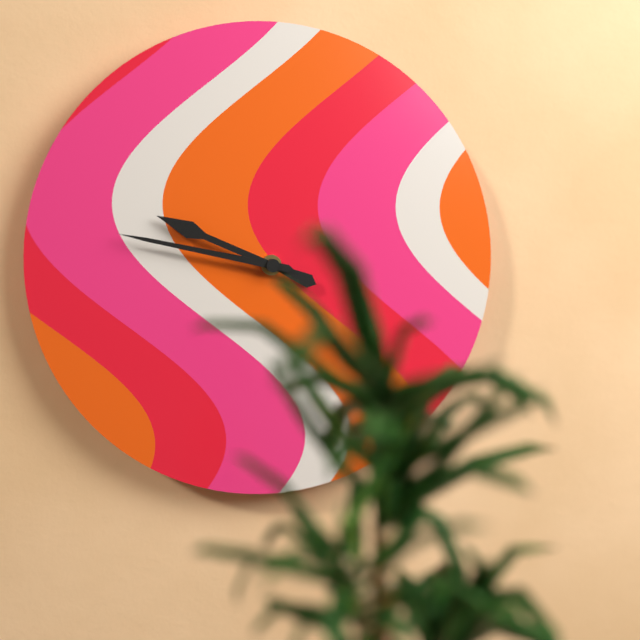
{"hour": 9, "minute": 47}
